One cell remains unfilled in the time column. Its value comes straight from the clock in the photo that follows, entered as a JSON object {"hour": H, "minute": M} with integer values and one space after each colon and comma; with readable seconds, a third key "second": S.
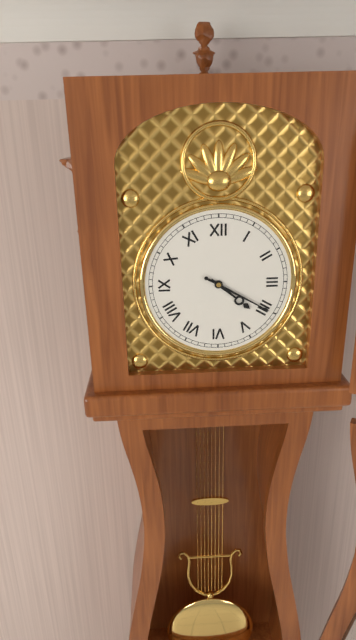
{"hour": 4, "minute": 20}
